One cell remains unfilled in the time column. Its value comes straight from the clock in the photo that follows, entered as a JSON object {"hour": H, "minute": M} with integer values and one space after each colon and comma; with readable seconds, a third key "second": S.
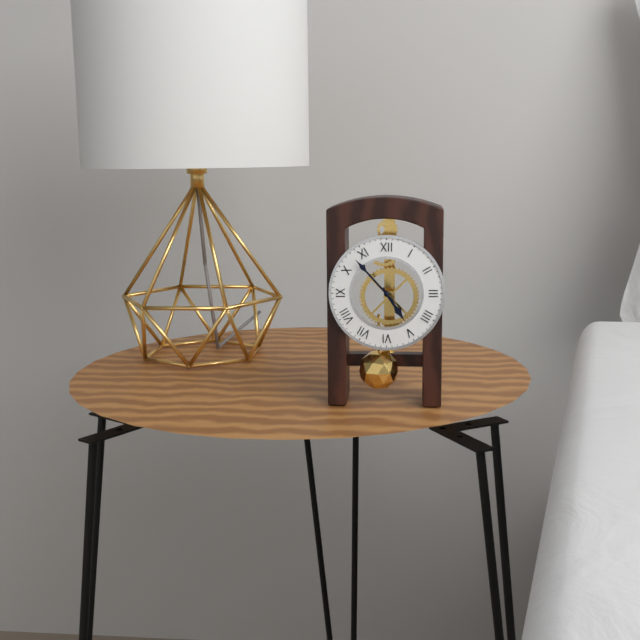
{"hour": 4, "minute": 53}
